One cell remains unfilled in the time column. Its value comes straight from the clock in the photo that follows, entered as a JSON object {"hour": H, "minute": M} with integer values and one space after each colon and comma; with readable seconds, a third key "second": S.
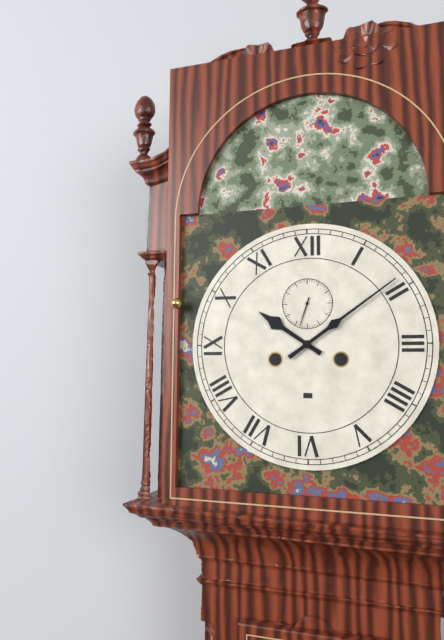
{"hour": 10, "minute": 9}
